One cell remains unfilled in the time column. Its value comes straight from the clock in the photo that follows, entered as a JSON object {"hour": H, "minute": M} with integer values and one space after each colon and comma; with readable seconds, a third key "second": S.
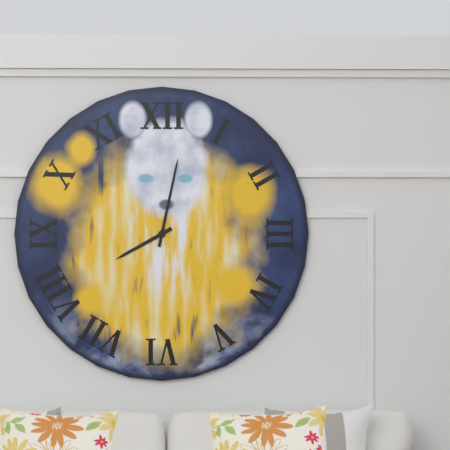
{"hour": 8, "minute": 2}
